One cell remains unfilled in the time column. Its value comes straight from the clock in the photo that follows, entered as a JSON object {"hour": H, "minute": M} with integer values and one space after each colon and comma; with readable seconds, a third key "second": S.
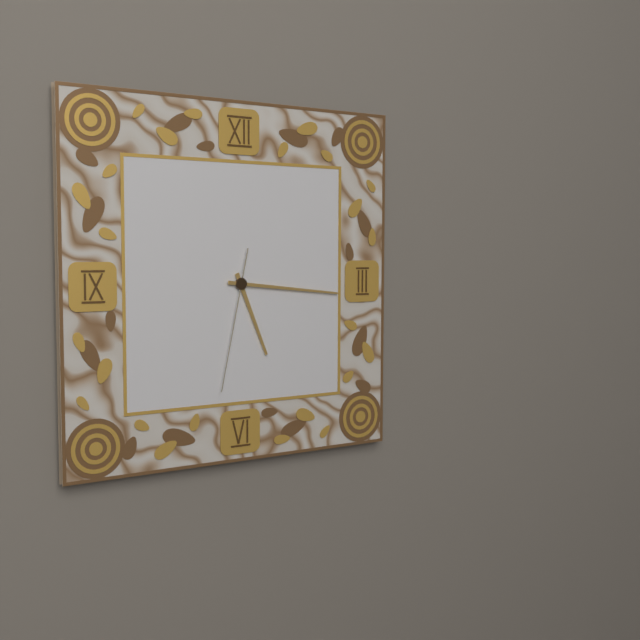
{"hour": 5, "minute": 16, "second": 32}
